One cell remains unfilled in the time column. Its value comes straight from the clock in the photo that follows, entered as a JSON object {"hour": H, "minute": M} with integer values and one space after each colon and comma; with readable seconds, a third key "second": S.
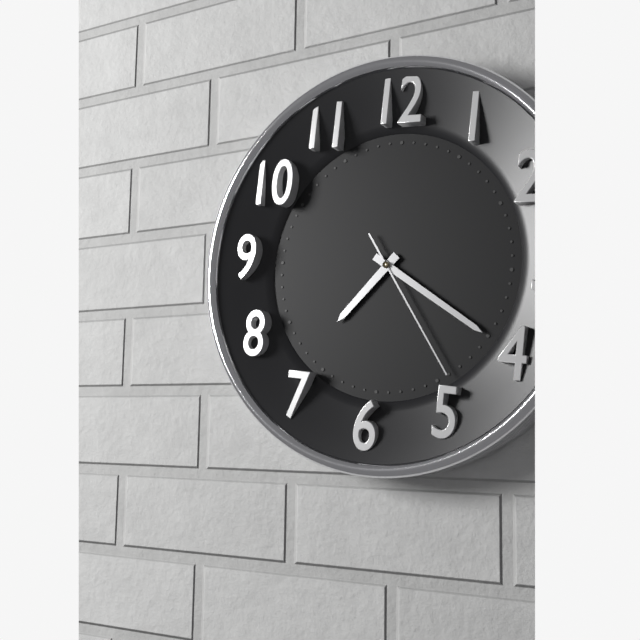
{"hour": 7, "minute": 20, "second": 24}
